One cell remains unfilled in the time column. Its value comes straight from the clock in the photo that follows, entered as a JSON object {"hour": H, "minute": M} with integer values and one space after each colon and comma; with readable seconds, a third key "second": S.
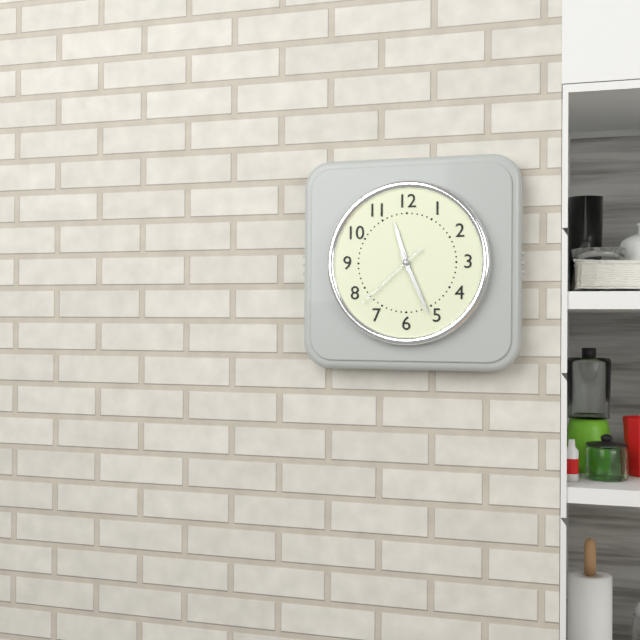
{"hour": 11, "minute": 26, "second": 38}
